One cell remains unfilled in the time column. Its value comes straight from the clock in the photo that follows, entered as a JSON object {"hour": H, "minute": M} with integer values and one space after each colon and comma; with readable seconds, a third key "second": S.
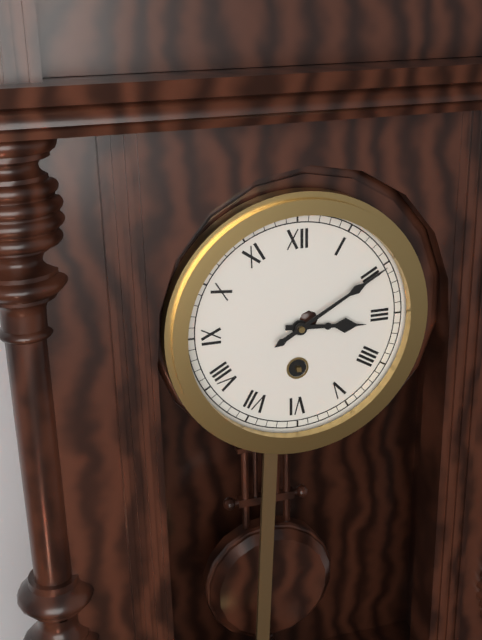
{"hour": 3, "minute": 10}
